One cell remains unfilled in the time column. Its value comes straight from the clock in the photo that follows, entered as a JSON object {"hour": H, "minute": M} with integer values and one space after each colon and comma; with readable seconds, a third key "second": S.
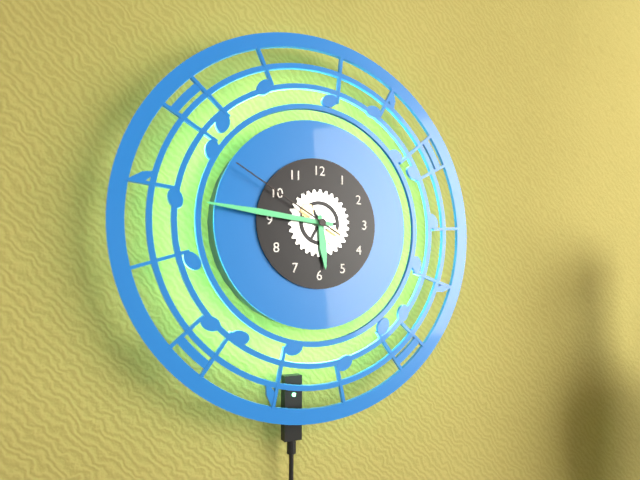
{"hour": 5, "minute": 46, "second": 50}
